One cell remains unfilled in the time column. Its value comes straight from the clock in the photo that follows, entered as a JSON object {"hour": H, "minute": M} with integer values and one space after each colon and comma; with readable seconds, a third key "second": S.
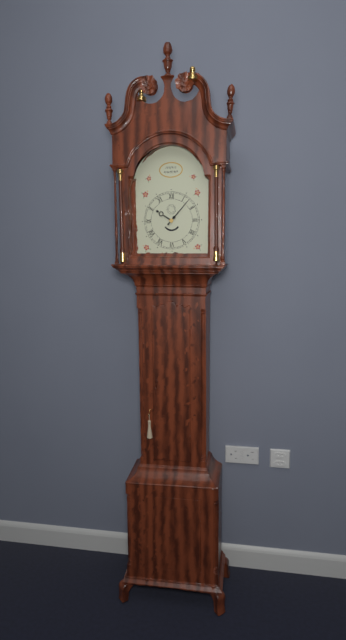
{"hour": 10, "minute": 7}
